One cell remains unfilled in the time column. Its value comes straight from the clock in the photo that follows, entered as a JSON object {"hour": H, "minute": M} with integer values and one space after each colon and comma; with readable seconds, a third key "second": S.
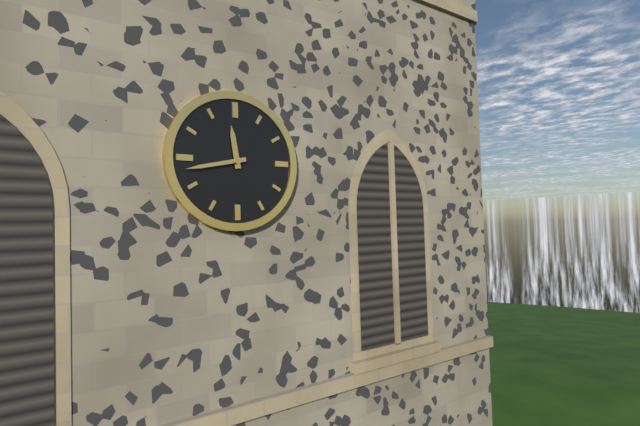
{"hour": 11, "minute": 43}
